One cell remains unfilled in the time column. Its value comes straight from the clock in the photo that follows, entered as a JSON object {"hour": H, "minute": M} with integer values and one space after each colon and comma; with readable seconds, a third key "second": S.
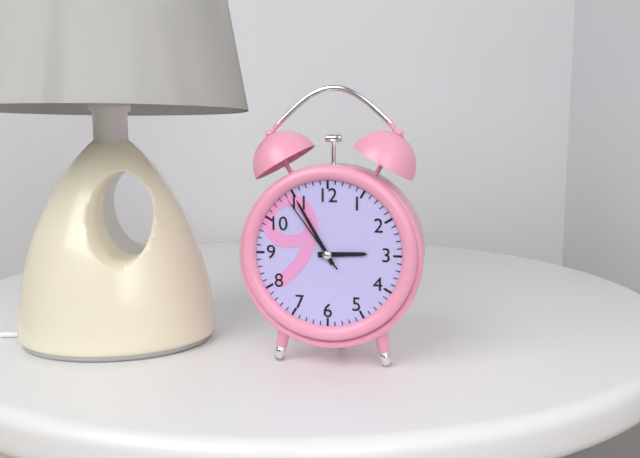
{"hour": 2, "minute": 55, "second": 54}
